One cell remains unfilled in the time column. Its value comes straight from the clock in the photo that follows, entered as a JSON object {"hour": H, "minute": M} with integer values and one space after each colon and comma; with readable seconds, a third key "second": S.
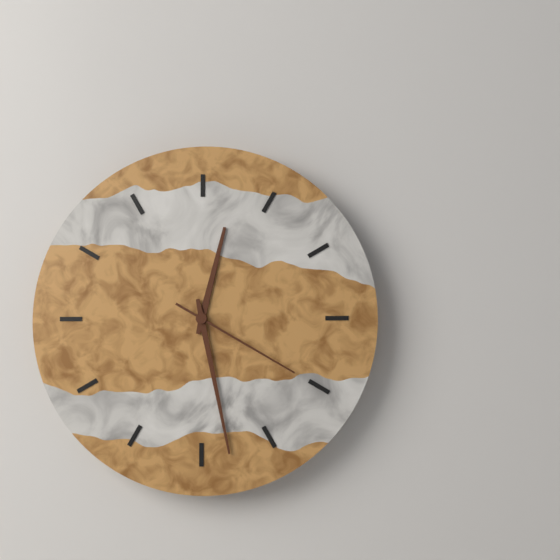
{"hour": 12, "minute": 28, "second": 20}
